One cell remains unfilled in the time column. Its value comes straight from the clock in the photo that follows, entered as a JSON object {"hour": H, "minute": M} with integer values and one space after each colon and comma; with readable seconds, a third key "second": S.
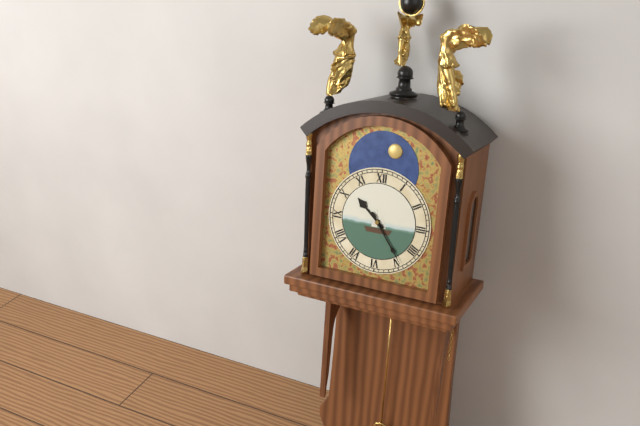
{"hour": 10, "minute": 24}
